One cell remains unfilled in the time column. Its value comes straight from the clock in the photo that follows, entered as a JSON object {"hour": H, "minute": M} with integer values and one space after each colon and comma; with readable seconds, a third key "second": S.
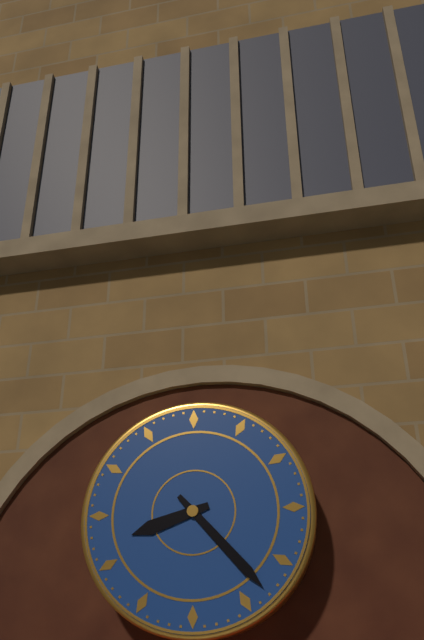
{"hour": 8, "minute": 23}
